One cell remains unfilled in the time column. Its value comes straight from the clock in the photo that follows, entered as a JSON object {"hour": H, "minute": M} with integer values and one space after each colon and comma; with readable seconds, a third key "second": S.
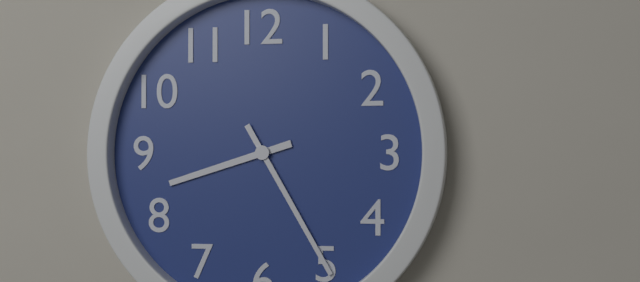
{"hour": 8, "minute": 25}
